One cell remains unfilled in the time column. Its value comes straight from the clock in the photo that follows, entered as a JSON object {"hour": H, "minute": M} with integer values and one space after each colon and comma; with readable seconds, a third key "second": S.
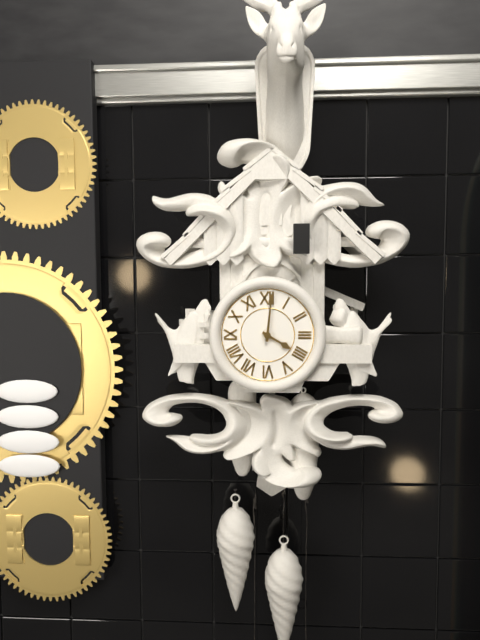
{"hour": 4, "minute": 1}
